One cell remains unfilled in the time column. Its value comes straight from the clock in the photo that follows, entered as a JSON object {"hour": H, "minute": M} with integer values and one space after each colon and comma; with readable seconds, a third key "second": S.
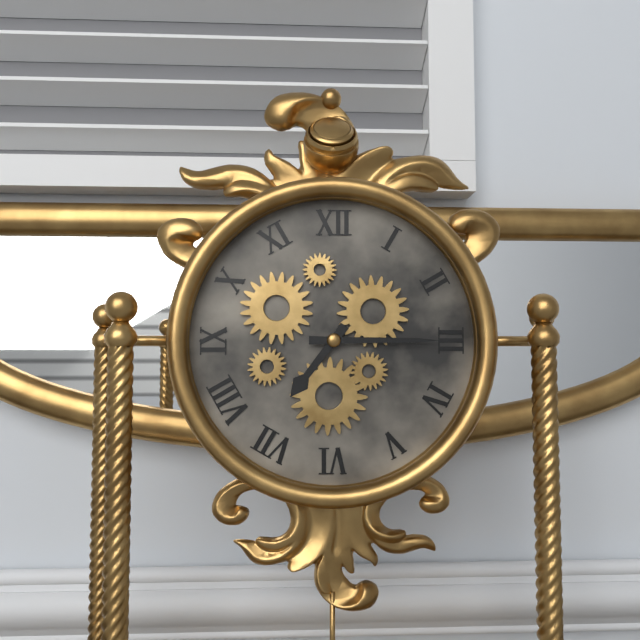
{"hour": 7, "minute": 15}
